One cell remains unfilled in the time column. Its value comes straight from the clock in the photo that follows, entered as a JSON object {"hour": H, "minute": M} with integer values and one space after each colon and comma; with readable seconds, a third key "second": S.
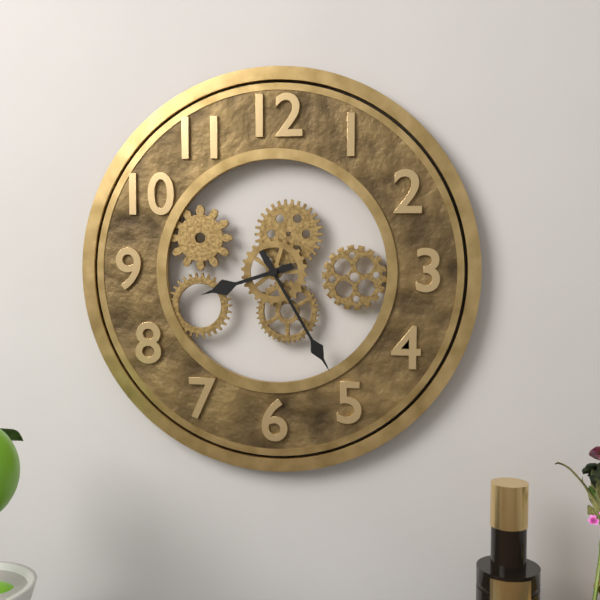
{"hour": 8, "minute": 25}
